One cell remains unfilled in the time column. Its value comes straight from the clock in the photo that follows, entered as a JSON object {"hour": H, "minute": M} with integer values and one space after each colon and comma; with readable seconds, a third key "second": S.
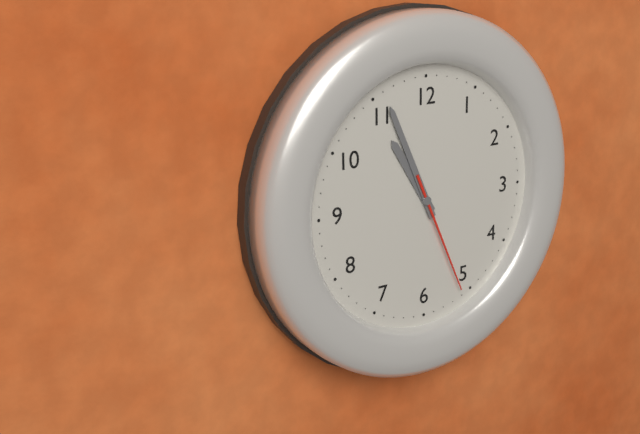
{"hour": 10, "minute": 56, "second": 26}
